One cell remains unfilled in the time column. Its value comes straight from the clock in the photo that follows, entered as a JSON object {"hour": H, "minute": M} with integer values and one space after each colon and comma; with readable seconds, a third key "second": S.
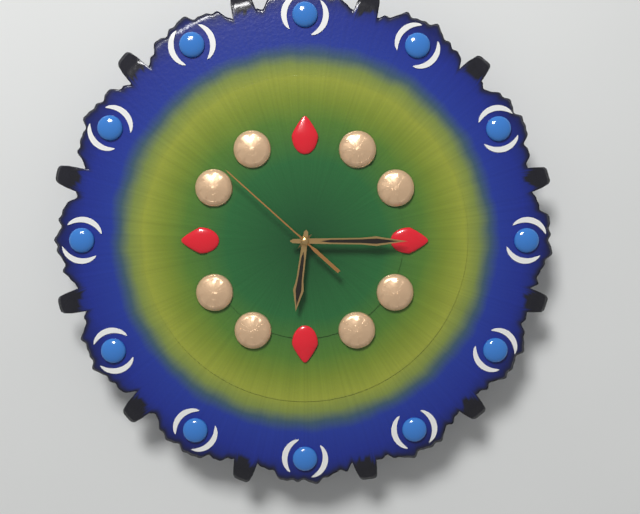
{"hour": 6, "minute": 15, "second": 52}
